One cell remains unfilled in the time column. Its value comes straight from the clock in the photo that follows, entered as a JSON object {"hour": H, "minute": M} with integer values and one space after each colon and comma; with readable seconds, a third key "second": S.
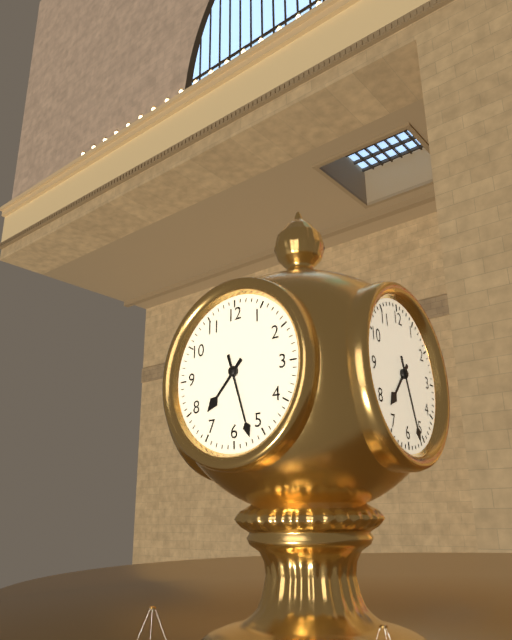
{"hour": 7, "minute": 27}
